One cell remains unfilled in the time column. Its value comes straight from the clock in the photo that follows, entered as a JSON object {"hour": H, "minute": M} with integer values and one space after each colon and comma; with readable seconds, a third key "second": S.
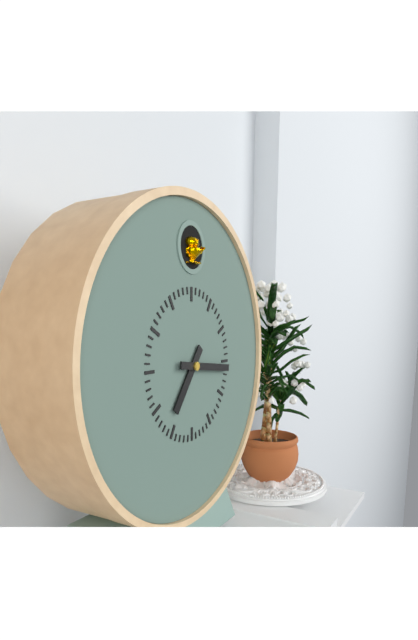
{"hour": 7, "minute": 16}
